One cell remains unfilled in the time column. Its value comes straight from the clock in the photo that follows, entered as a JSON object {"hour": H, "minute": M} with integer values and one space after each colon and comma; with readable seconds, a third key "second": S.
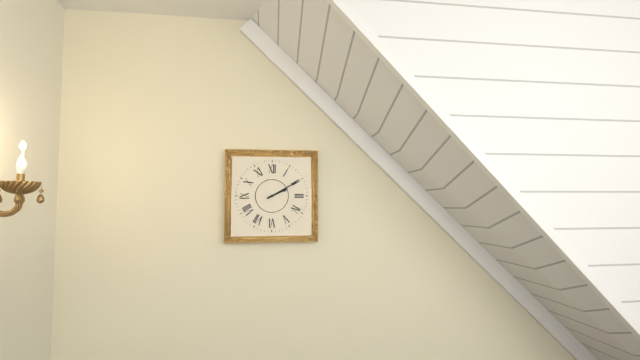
{"hour": 2, "minute": 10}
